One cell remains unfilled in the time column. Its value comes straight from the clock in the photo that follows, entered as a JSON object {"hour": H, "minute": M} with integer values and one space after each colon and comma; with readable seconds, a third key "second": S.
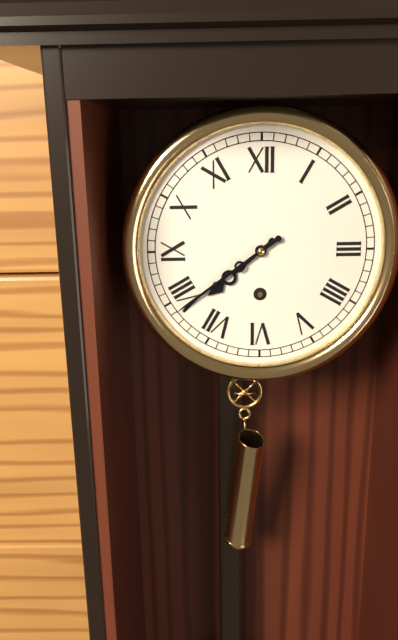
{"hour": 7, "minute": 39}
